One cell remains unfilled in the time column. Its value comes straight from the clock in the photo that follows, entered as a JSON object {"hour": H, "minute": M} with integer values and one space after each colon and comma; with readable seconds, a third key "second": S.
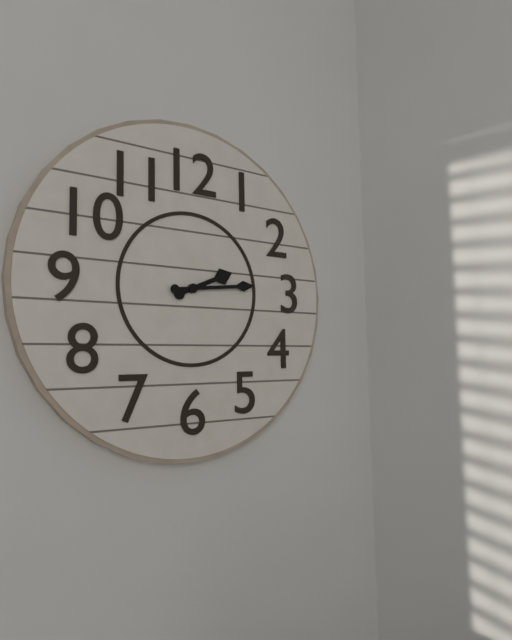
{"hour": 2, "minute": 14}
